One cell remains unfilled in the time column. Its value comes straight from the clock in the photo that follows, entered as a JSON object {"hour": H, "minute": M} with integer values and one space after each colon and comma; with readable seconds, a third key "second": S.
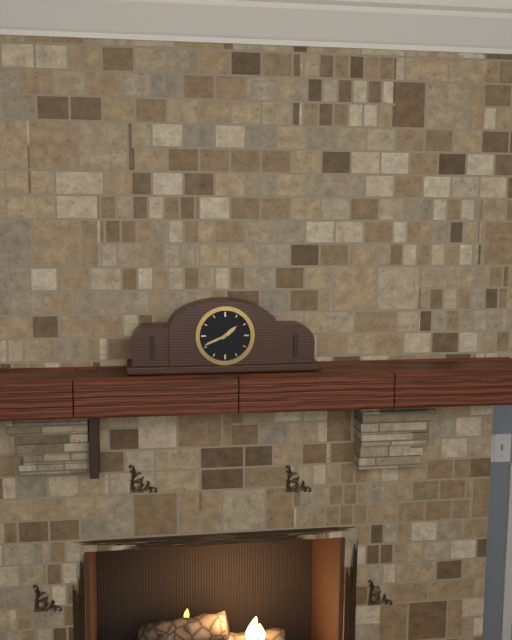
{"hour": 1, "minute": 41}
